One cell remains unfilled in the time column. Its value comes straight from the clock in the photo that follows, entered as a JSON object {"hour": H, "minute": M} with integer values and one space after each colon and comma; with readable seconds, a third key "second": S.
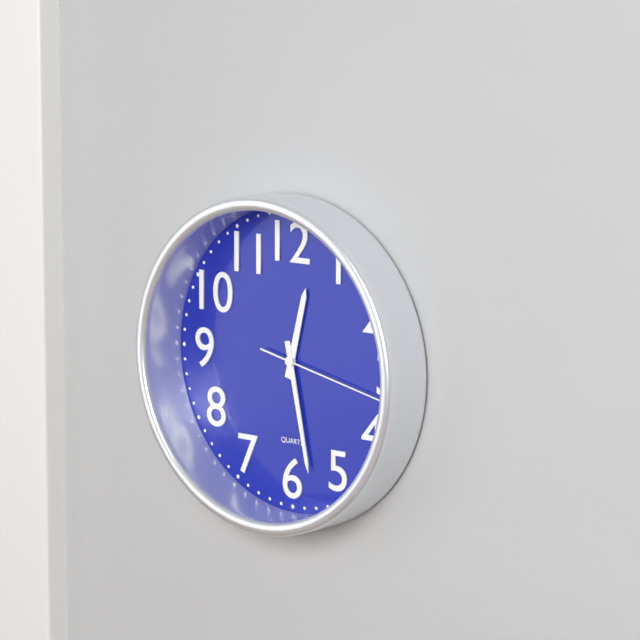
{"hour": 12, "minute": 28, "second": 17}
